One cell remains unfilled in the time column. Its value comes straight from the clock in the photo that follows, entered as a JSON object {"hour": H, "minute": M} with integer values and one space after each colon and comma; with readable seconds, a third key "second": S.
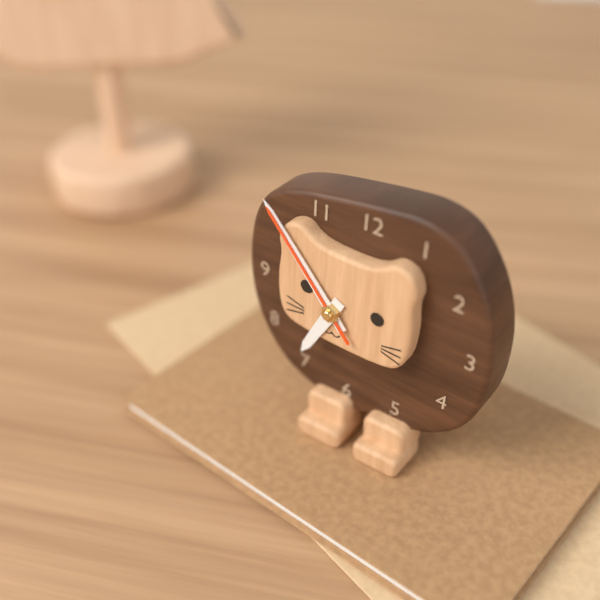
{"hour": 6, "minute": 53, "second": 53}
